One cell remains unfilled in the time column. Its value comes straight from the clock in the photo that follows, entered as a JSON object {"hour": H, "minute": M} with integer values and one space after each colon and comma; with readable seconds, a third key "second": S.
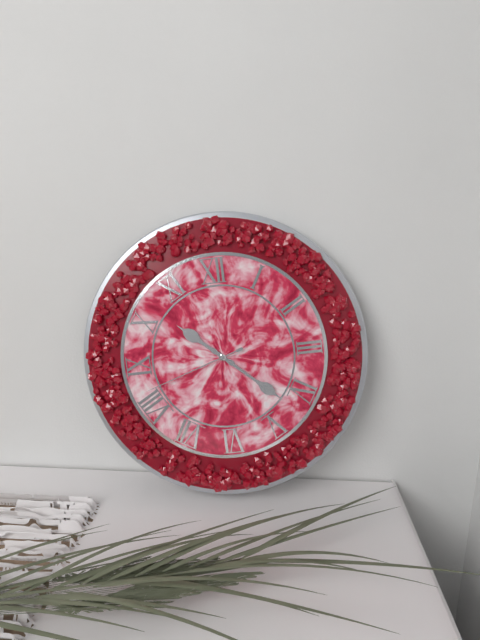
{"hour": 10, "minute": 22, "second": 42}
